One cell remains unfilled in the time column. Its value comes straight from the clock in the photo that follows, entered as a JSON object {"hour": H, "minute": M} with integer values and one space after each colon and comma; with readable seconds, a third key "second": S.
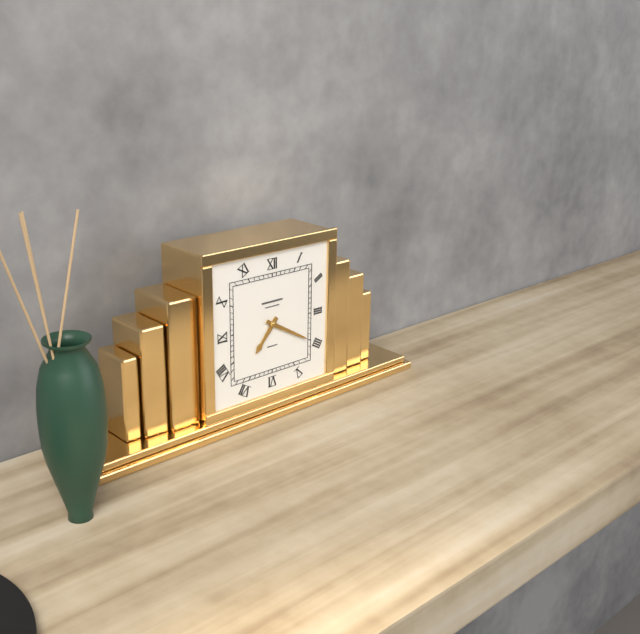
{"hour": 7, "minute": 20}
